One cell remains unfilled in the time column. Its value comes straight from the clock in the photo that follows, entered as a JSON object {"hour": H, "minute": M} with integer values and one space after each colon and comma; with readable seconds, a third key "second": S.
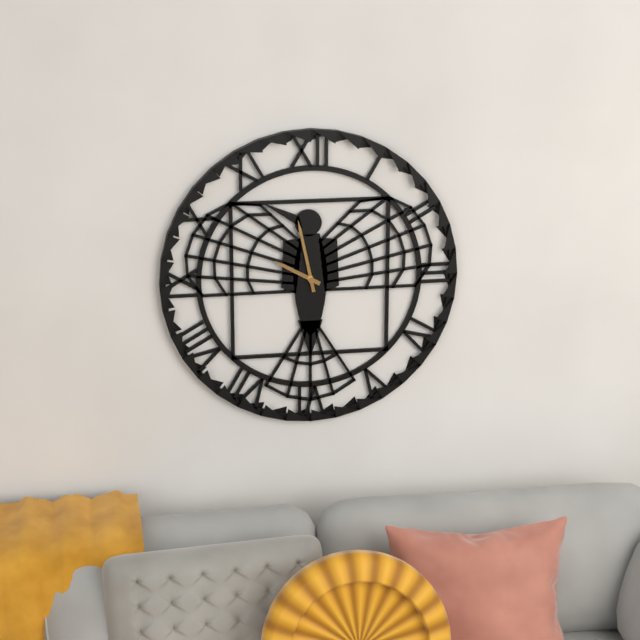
{"hour": 9, "minute": 58}
